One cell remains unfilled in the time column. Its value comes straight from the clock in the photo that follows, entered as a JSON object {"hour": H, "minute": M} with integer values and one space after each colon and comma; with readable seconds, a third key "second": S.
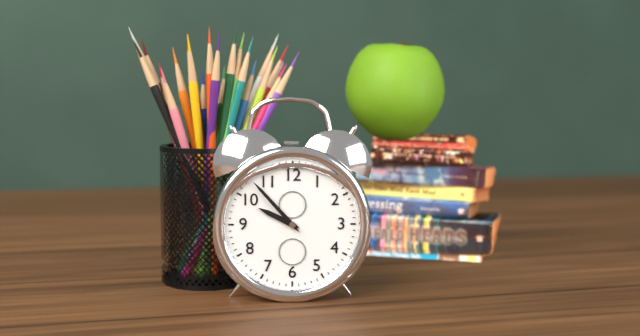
{"hour": 9, "minute": 53}
